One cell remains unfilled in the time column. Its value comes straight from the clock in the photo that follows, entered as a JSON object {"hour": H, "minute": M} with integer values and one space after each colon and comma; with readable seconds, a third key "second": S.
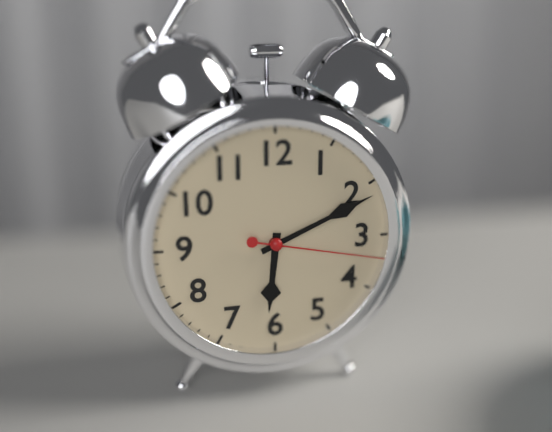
{"hour": 6, "minute": 11, "second": 17}
